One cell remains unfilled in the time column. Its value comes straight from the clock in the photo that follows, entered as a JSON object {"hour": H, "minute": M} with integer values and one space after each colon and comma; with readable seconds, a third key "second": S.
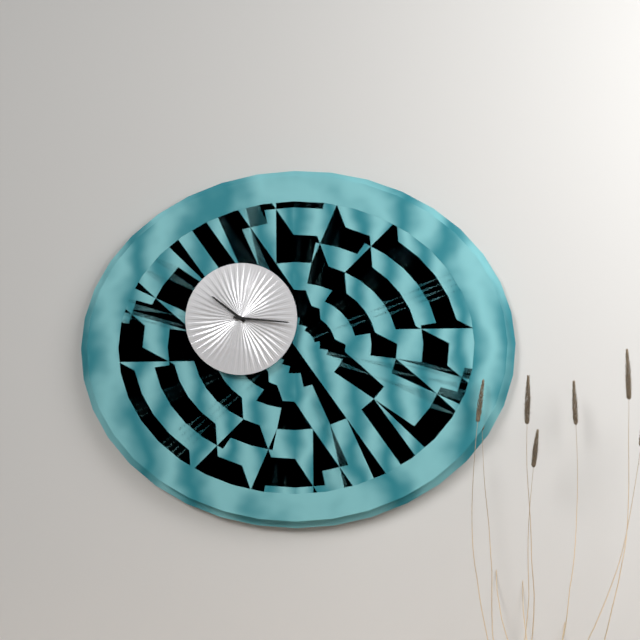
{"hour": 10, "minute": 16}
